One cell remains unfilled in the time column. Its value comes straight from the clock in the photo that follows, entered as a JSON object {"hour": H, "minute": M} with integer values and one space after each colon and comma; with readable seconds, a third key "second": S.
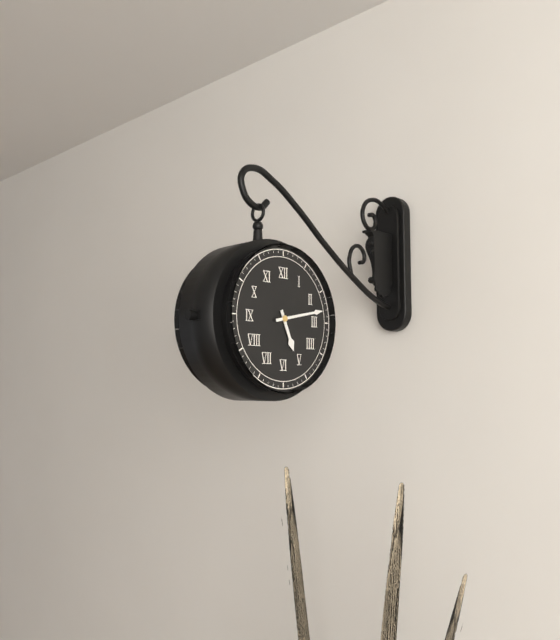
{"hour": 5, "minute": 13}
